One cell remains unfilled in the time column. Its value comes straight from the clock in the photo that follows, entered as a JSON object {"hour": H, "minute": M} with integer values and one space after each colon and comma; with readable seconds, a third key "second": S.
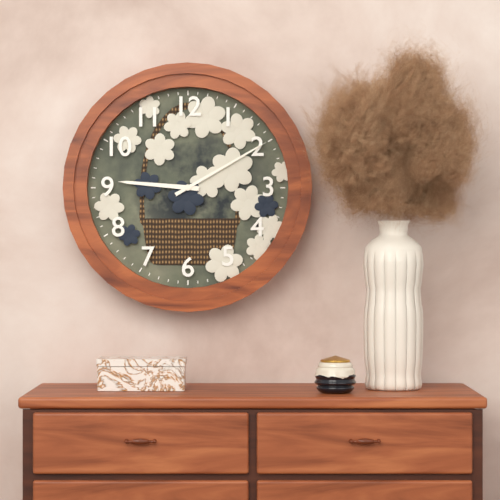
{"hour": 9, "minute": 10}
